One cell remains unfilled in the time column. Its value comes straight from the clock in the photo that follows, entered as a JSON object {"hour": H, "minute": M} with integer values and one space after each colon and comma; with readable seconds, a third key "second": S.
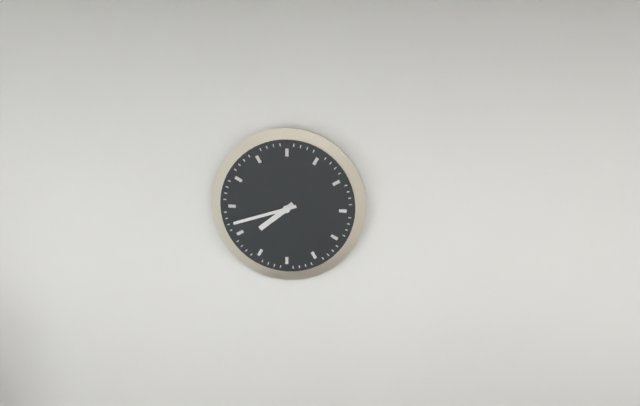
{"hour": 7, "minute": 42}
